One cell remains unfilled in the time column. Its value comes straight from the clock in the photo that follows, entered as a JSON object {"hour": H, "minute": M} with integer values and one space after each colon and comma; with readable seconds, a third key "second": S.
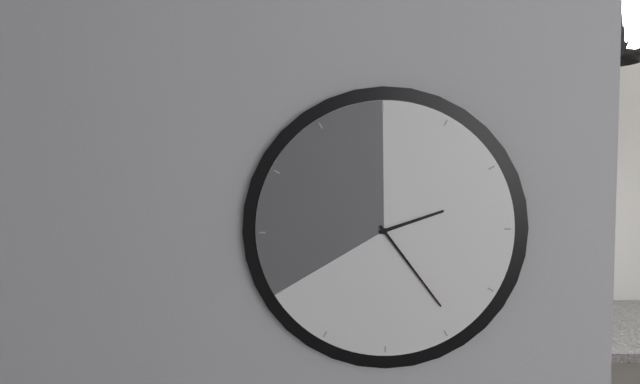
{"hour": 2, "minute": 24}
